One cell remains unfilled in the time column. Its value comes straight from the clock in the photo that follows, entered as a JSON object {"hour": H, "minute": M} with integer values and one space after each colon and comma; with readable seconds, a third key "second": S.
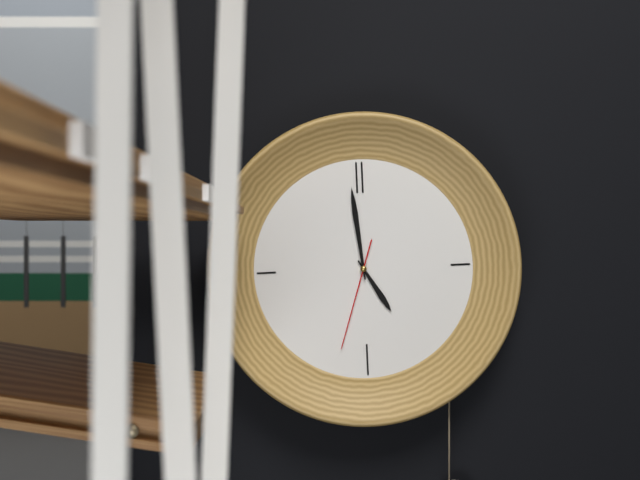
{"hour": 4, "minute": 59, "second": 33}
